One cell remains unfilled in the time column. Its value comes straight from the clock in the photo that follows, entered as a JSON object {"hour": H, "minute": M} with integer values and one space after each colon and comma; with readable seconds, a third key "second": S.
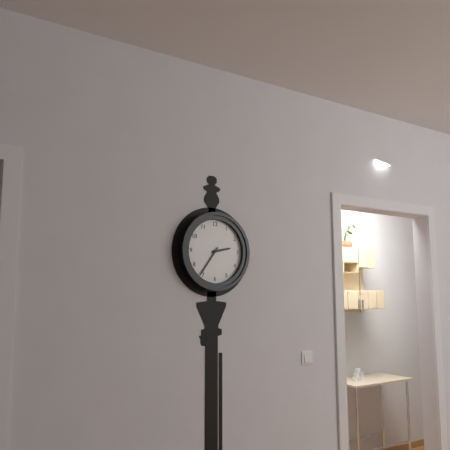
{"hour": 2, "minute": 36}
